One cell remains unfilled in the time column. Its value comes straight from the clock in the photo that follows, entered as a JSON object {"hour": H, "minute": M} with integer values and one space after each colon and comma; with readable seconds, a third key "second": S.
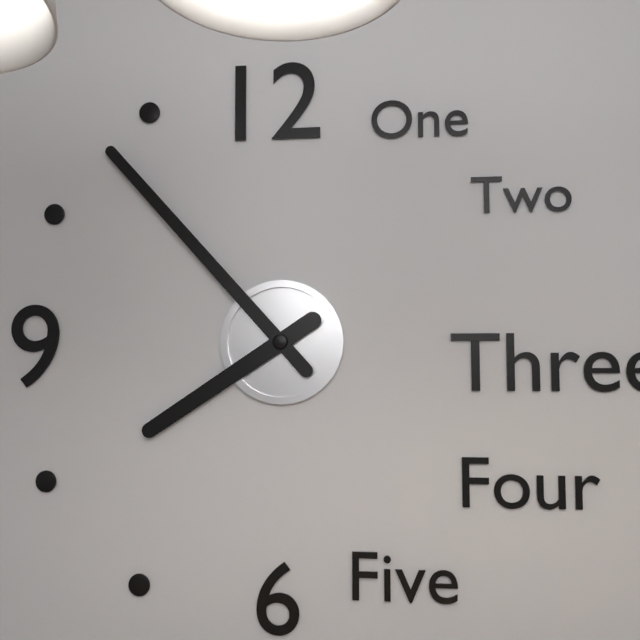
{"hour": 7, "minute": 53}
